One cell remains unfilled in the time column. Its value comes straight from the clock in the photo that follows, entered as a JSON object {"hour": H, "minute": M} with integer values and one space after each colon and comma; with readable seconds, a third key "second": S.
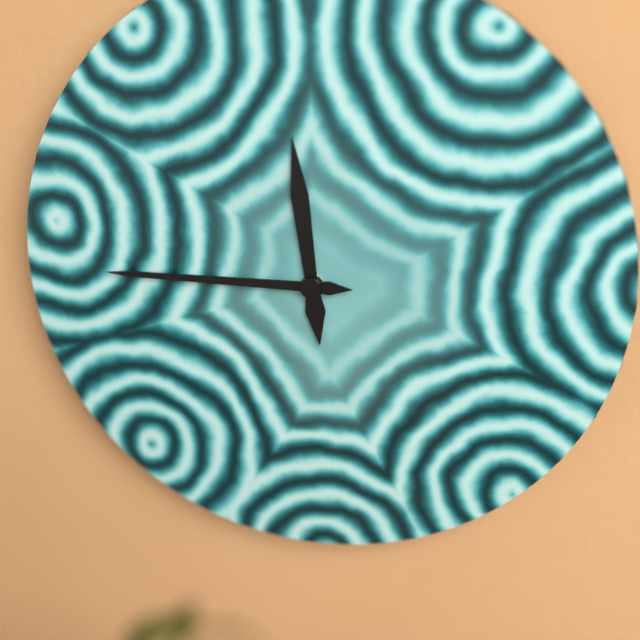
{"hour": 11, "minute": 45}
